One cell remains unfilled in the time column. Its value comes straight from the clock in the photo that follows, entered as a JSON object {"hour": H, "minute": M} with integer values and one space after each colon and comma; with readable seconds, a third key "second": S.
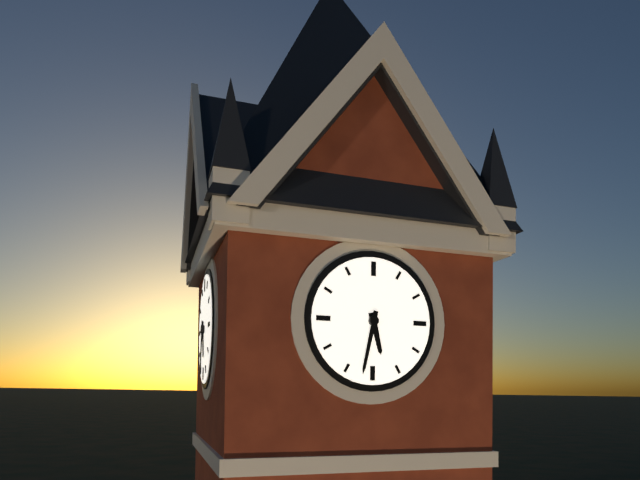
{"hour": 5, "minute": 32}
